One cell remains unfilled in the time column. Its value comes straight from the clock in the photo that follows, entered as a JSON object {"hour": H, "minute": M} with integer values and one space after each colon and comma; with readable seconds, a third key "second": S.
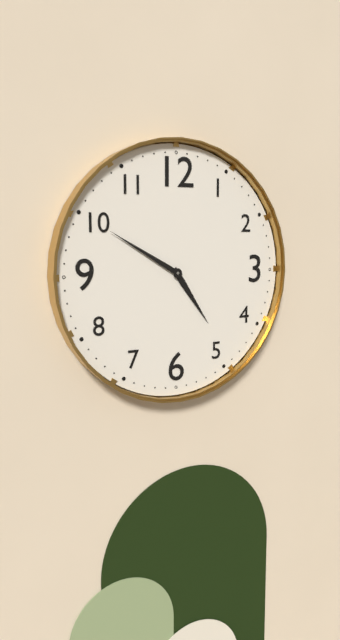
{"hour": 4, "minute": 50}
